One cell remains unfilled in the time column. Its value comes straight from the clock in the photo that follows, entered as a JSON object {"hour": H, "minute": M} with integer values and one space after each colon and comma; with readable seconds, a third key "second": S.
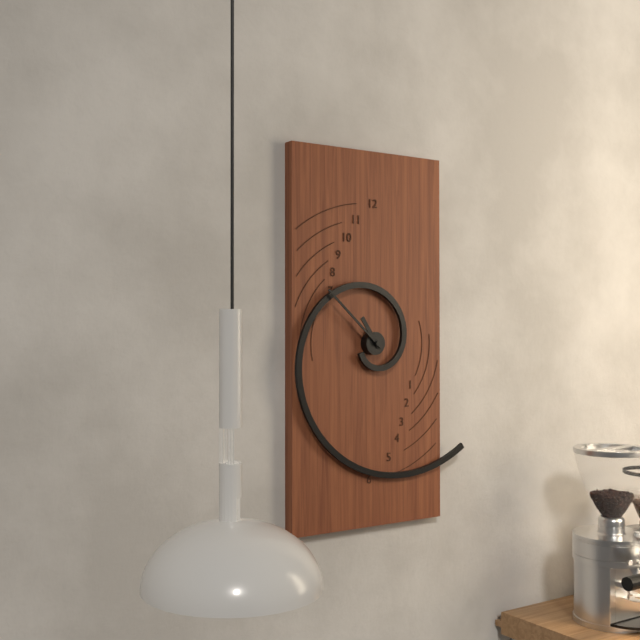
{"hour": 10, "minute": 52}
